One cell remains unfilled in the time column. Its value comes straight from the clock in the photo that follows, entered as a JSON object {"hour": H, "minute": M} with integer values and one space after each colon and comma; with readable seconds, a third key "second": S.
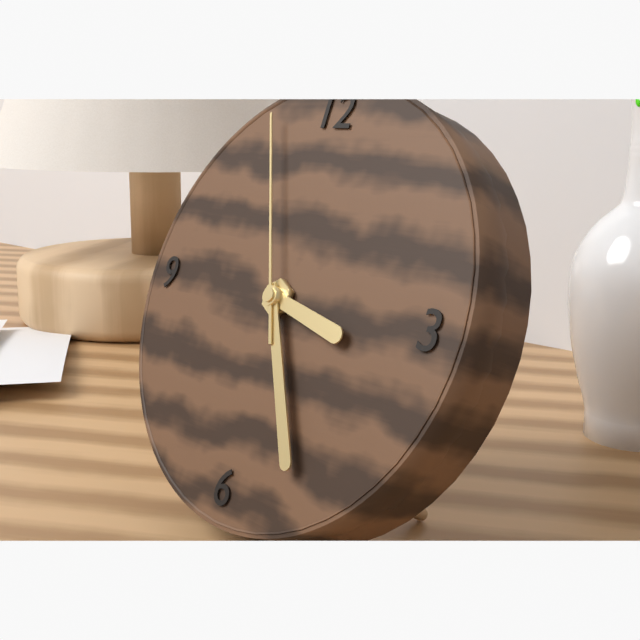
{"hour": 3, "minute": 25, "second": 56}
